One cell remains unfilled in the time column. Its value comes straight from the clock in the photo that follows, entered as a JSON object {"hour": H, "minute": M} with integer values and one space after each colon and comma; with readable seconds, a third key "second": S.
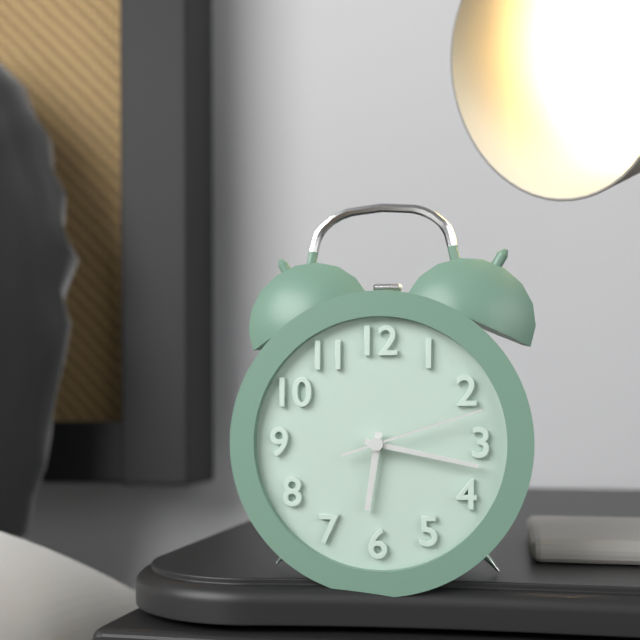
{"hour": 6, "minute": 17, "second": 12}
